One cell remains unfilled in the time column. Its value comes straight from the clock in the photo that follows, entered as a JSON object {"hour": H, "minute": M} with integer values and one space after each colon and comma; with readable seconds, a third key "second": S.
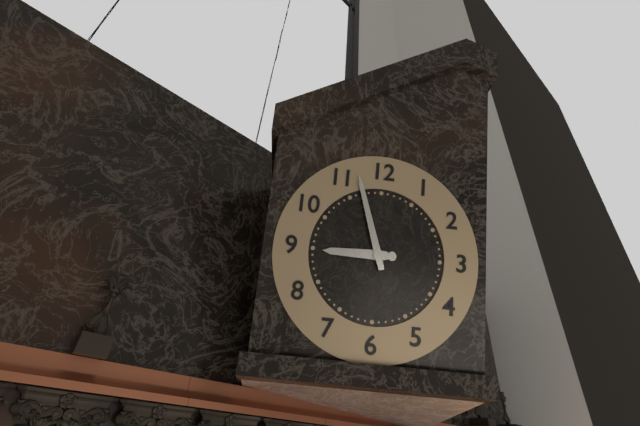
{"hour": 8, "minute": 57}
